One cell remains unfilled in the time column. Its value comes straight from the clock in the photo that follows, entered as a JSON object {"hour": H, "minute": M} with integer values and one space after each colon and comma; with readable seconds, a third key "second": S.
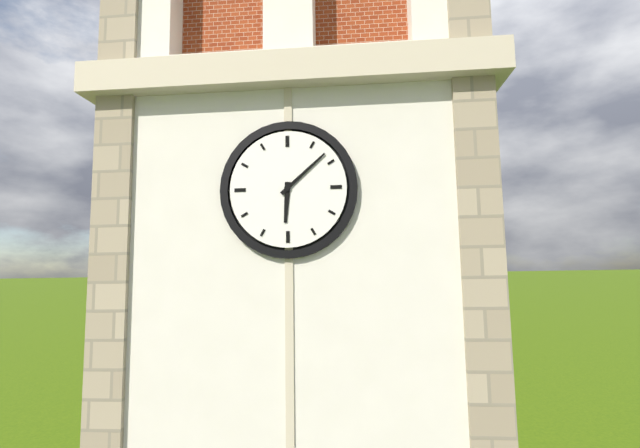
{"hour": 6, "minute": 8}
